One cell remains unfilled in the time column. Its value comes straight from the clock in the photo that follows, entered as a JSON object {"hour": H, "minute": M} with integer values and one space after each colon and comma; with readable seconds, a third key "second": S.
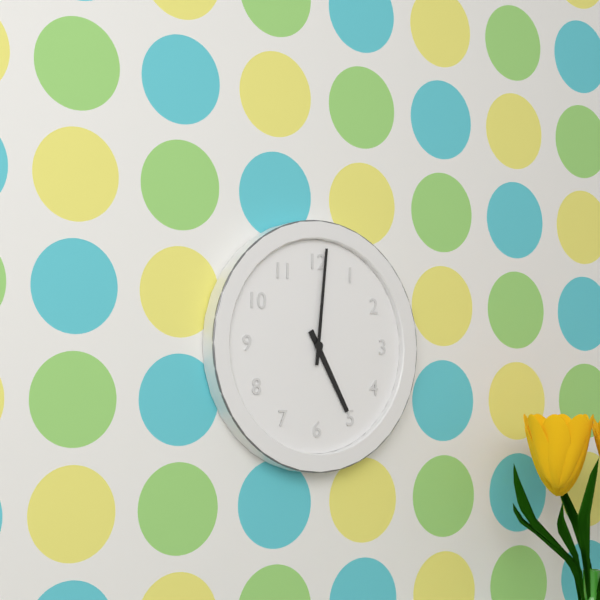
{"hour": 5, "minute": 1}
